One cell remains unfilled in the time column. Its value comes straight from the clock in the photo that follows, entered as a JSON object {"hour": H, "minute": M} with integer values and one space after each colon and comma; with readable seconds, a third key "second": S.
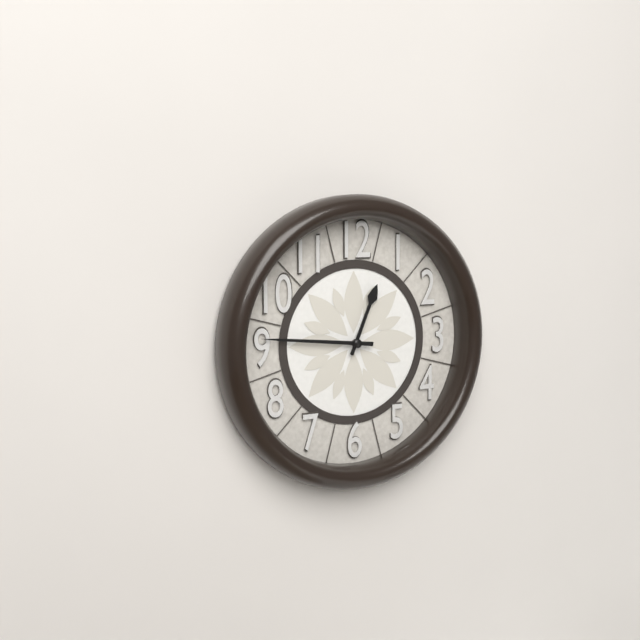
{"hour": 12, "minute": 46}
